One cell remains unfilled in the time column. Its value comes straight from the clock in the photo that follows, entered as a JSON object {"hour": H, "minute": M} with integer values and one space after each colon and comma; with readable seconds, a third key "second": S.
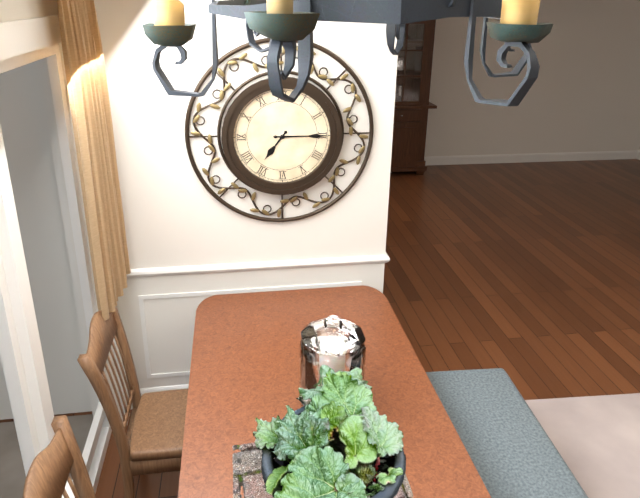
{"hour": 7, "minute": 15}
